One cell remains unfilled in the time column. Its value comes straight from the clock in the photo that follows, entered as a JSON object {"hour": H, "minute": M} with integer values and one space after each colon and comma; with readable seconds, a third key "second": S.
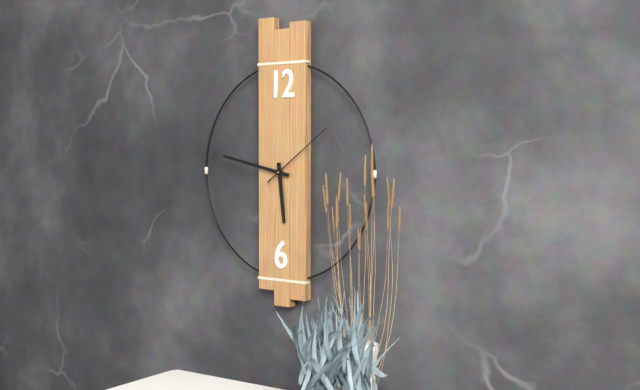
{"hour": 5, "minute": 47, "second": 9}
